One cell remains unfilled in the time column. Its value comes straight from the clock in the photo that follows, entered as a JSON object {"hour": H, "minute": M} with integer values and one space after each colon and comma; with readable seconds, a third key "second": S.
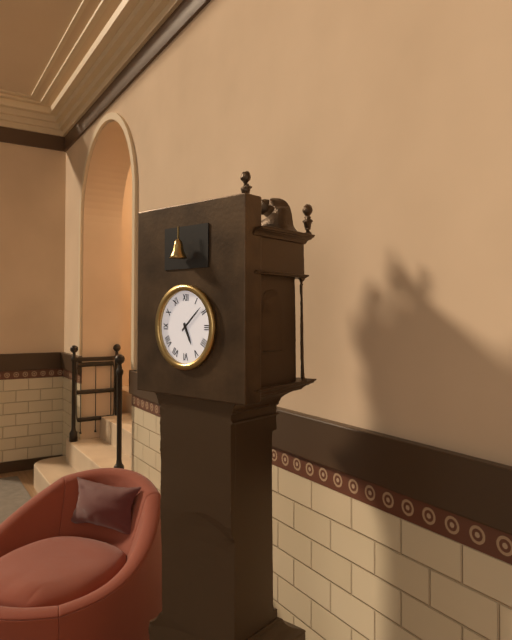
{"hour": 5, "minute": 8}
